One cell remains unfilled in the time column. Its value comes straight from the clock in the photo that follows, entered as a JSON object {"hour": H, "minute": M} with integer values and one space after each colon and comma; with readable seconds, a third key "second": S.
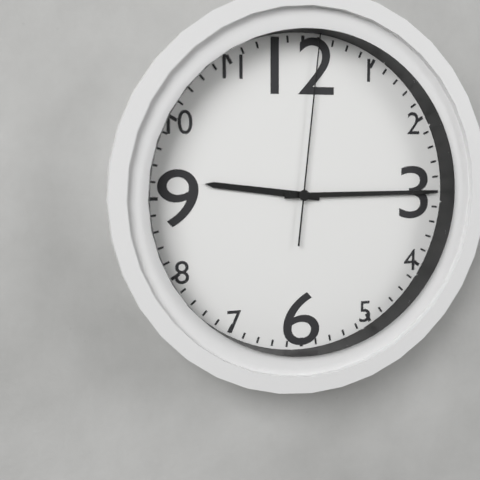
{"hour": 9, "minute": 15, "second": 1}
